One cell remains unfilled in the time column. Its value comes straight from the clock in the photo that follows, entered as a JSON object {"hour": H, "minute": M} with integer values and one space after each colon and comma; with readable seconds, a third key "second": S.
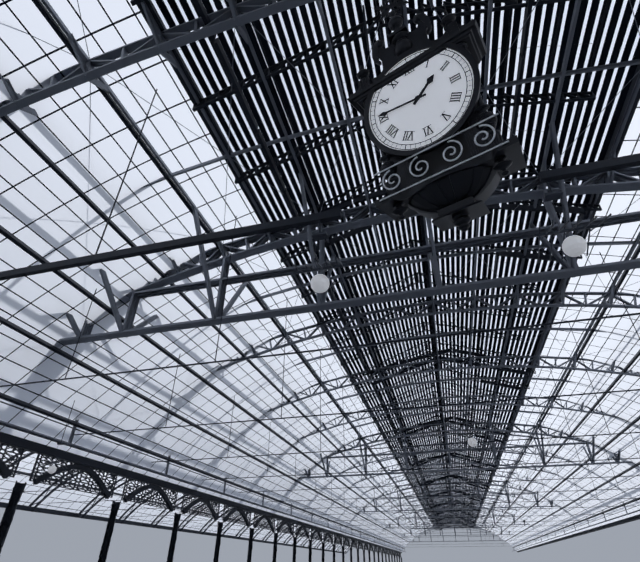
{"hour": 1, "minute": 46}
